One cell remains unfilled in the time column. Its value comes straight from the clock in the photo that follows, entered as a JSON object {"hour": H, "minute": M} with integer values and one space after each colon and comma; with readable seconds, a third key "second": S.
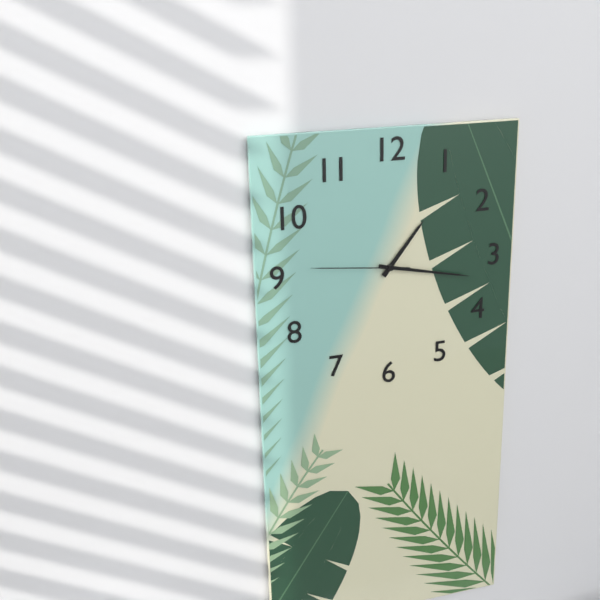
{"hour": 1, "minute": 17, "second": 46}
